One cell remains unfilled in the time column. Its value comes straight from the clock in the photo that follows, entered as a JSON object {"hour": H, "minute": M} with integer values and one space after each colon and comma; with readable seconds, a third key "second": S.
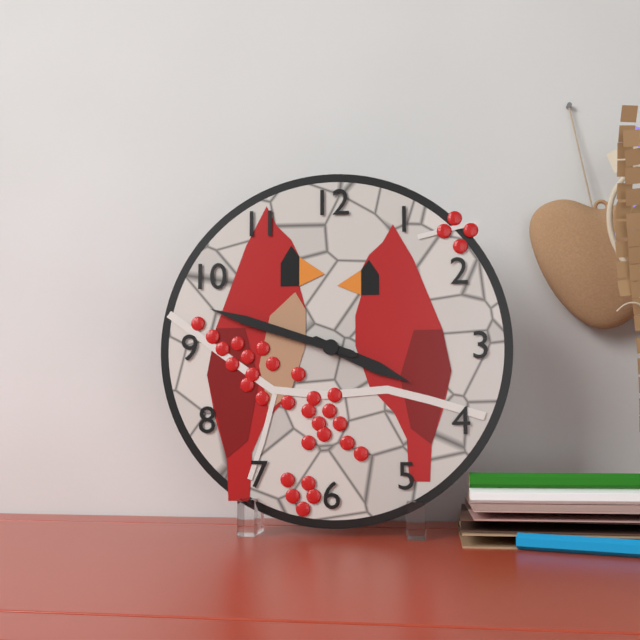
{"hour": 3, "minute": 48}
